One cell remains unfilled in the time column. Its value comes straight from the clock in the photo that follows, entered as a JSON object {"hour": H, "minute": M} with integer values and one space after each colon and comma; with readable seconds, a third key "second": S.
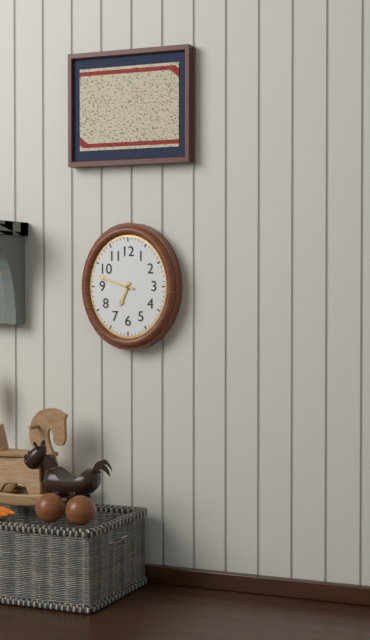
{"hour": 6, "minute": 48}
